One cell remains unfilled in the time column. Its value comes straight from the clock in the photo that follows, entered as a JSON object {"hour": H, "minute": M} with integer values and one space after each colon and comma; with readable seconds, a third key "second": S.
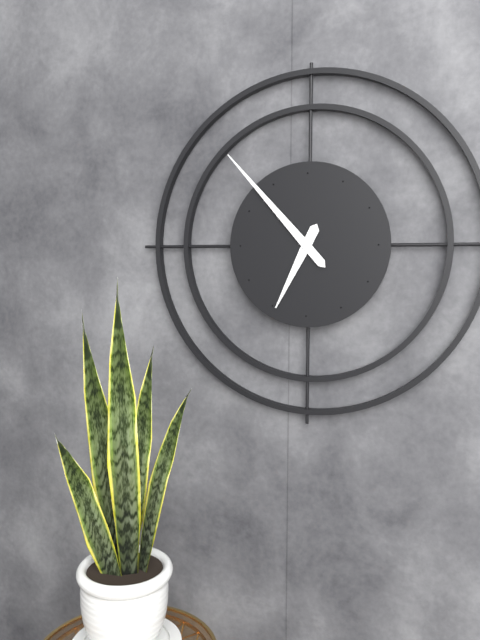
{"hour": 6, "minute": 53}
